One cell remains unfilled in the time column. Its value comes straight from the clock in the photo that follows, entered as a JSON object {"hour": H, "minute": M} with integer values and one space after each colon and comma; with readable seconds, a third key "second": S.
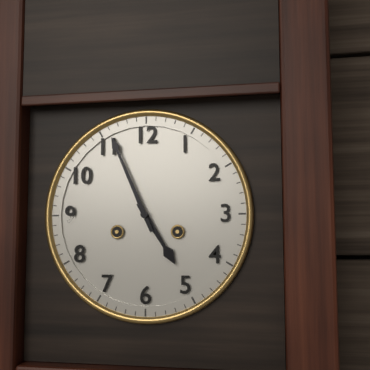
{"hour": 4, "minute": 56}
